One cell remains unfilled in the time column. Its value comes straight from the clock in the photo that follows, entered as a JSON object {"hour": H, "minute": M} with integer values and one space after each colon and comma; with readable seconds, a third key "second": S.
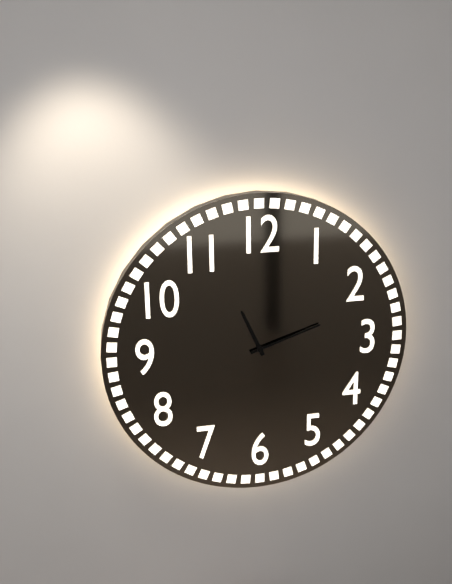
{"hour": 11, "minute": 12}
